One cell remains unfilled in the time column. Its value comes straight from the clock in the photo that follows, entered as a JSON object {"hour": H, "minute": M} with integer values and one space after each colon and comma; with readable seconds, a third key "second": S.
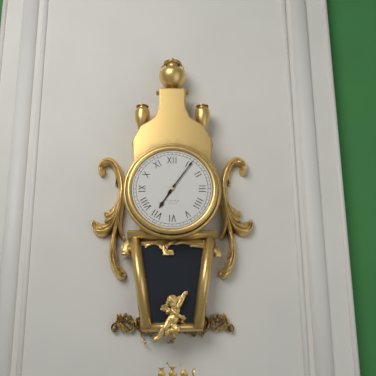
{"hour": 7, "minute": 6}
